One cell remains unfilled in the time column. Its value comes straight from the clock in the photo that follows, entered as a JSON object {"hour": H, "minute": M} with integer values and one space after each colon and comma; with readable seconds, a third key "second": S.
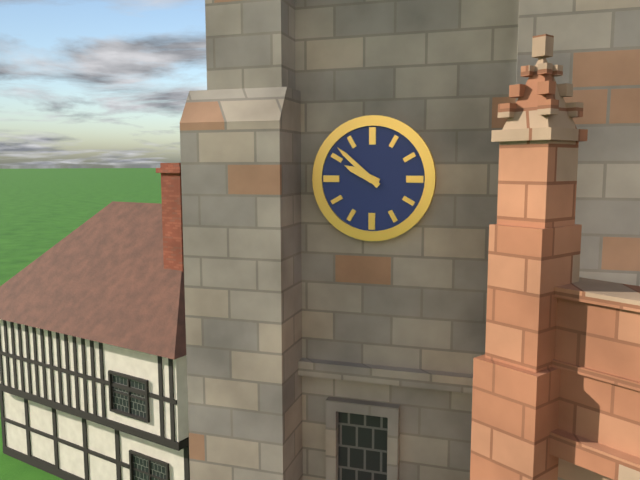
{"hour": 9, "minute": 52}
